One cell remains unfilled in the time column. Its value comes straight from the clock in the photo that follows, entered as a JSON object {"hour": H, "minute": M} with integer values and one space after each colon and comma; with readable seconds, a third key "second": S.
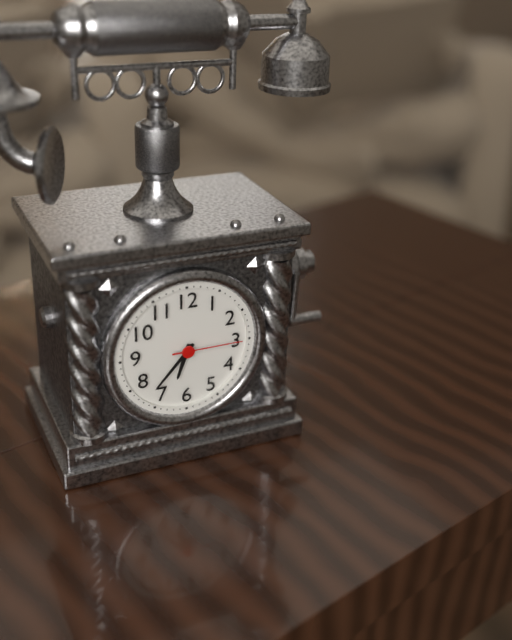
{"hour": 6, "minute": 37, "second": 15}
